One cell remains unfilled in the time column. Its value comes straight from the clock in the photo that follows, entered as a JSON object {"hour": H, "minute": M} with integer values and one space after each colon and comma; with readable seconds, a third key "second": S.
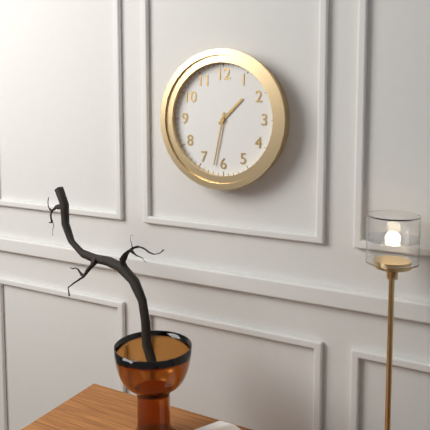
{"hour": 1, "minute": 32}
